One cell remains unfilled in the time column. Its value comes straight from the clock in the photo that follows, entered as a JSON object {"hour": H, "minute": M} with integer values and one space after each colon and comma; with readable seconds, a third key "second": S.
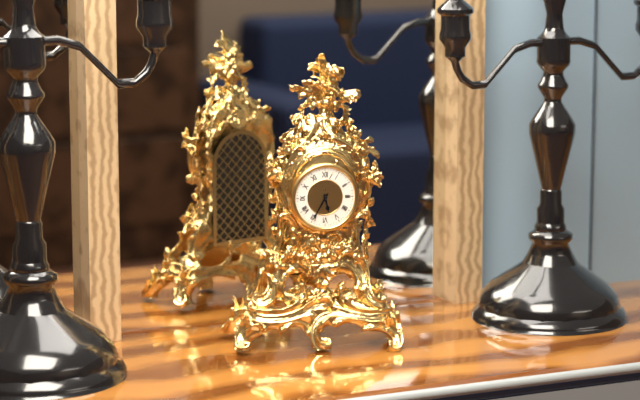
{"hour": 5, "minute": 35}
